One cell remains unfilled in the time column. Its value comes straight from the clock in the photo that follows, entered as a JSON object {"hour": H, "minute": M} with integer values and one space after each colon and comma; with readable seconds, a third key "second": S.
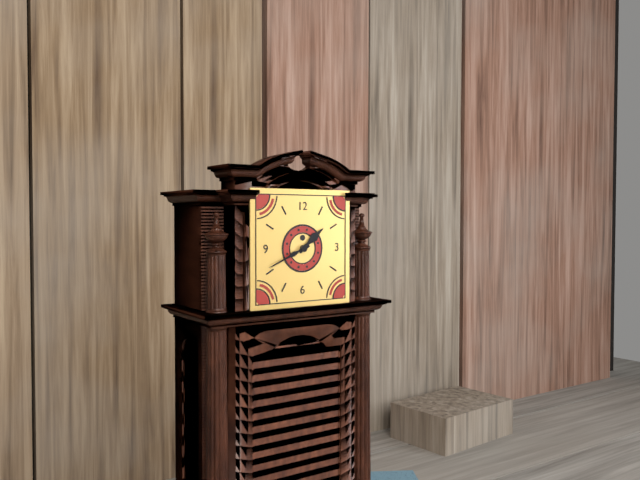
{"hour": 1, "minute": 41}
